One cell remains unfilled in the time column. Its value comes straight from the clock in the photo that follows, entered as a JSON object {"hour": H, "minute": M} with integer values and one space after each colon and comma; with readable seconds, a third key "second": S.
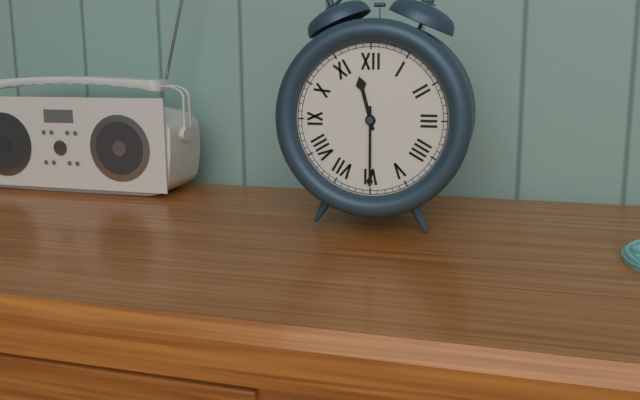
{"hour": 11, "minute": 30}
